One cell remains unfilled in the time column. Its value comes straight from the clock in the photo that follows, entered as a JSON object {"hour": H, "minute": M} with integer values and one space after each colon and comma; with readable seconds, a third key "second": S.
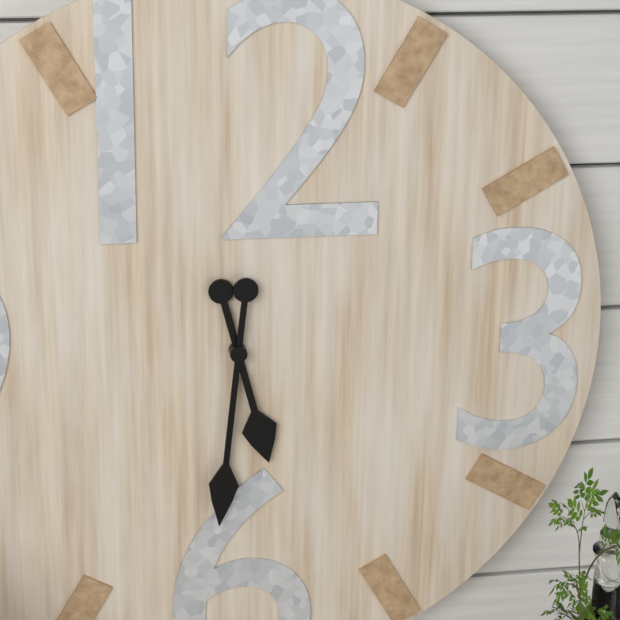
{"hour": 5, "minute": 31}
